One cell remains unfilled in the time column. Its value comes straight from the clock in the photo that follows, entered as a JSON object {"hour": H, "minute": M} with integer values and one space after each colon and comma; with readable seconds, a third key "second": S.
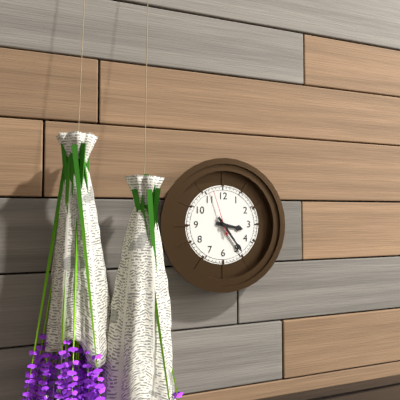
{"hour": 3, "minute": 24}
